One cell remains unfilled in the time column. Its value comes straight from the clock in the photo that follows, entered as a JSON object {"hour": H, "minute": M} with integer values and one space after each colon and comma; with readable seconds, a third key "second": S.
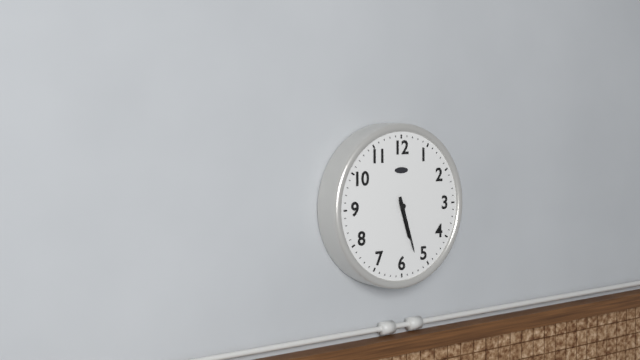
{"hour": 5, "minute": 27}
